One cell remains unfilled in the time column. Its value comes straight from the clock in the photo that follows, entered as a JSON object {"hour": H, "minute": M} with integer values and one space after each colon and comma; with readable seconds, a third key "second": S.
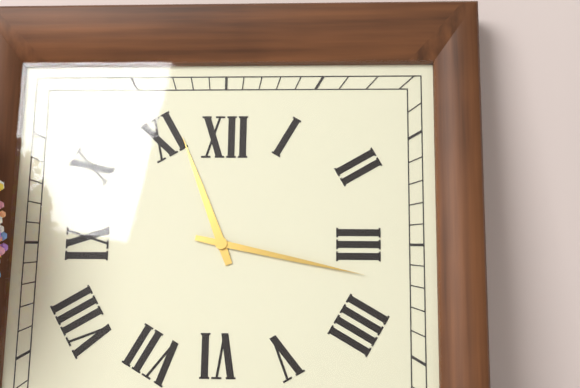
{"hour": 11, "minute": 17}
